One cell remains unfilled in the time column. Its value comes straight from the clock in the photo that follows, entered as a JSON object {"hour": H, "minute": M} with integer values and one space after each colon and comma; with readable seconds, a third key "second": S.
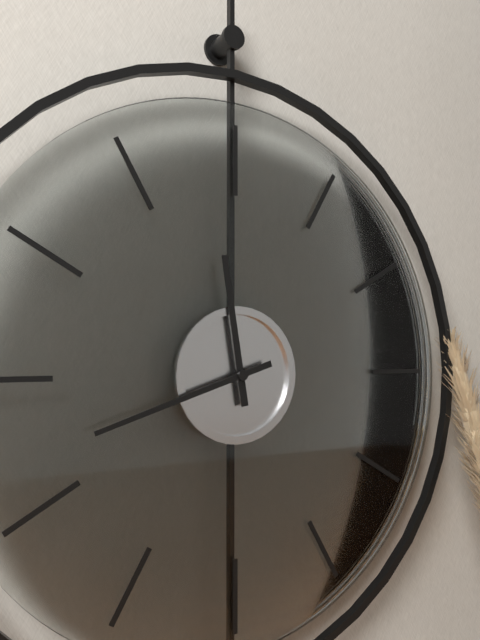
{"hour": 11, "minute": 42}
